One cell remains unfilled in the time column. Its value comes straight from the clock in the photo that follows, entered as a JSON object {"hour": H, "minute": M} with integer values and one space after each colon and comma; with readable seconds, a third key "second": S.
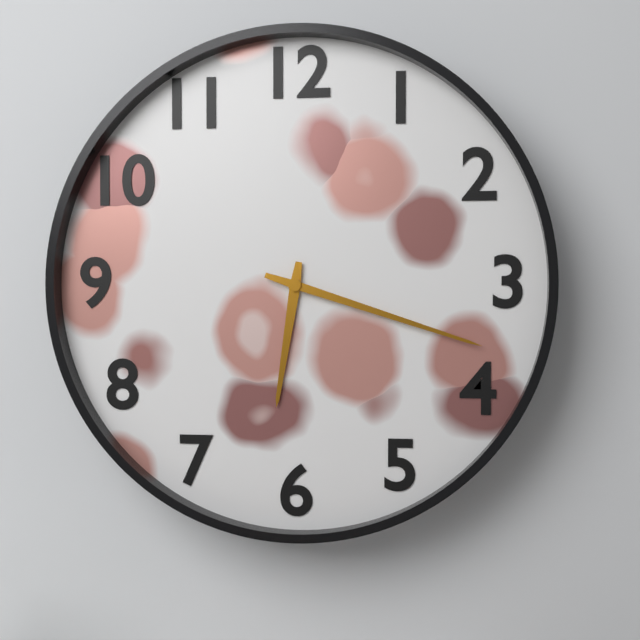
{"hour": 6, "minute": 18}
